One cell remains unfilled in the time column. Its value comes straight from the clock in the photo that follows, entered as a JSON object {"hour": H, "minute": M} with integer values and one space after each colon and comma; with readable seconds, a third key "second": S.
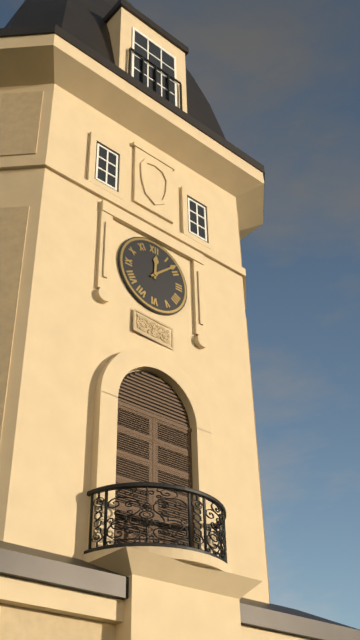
{"hour": 12, "minute": 8}
